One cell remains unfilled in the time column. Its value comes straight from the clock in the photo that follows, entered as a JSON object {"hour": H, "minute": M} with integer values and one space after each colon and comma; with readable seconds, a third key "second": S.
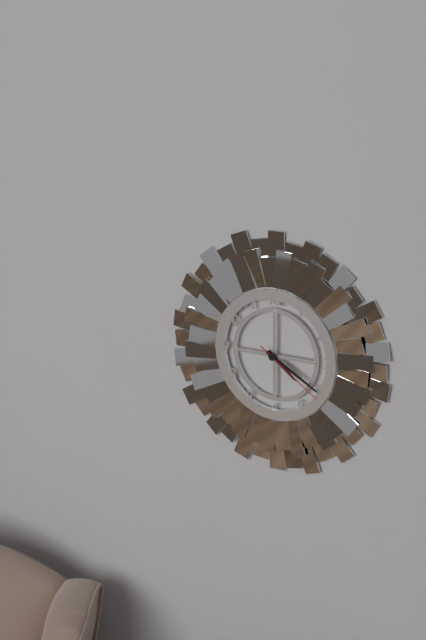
{"hour": 4, "minute": 20, "second": 21}
